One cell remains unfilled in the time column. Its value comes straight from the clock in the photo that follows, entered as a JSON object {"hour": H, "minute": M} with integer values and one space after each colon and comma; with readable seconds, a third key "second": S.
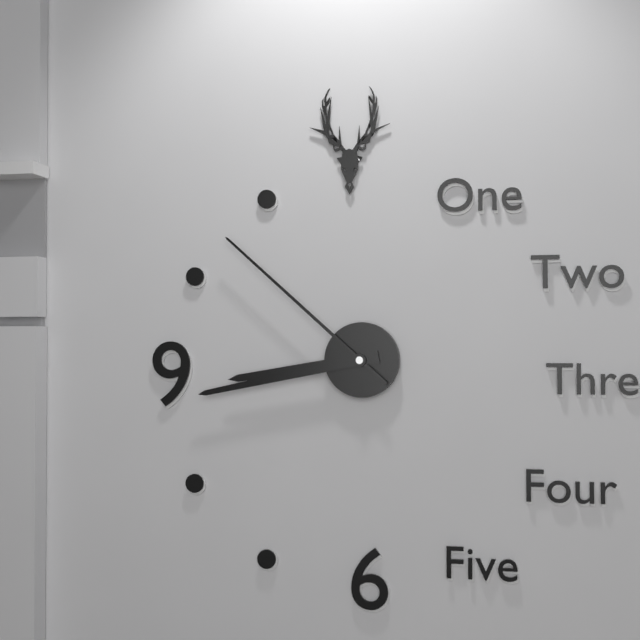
{"hour": 8, "minute": 43, "second": 52}
